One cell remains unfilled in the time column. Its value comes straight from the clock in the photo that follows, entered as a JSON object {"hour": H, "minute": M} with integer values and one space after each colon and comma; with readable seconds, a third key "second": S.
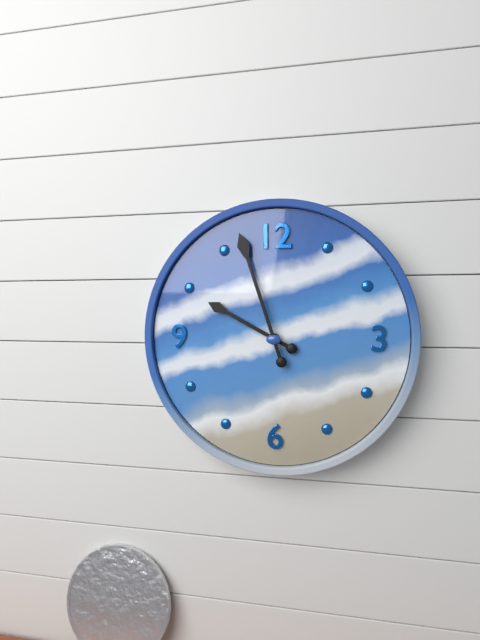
{"hour": 9, "minute": 57}
